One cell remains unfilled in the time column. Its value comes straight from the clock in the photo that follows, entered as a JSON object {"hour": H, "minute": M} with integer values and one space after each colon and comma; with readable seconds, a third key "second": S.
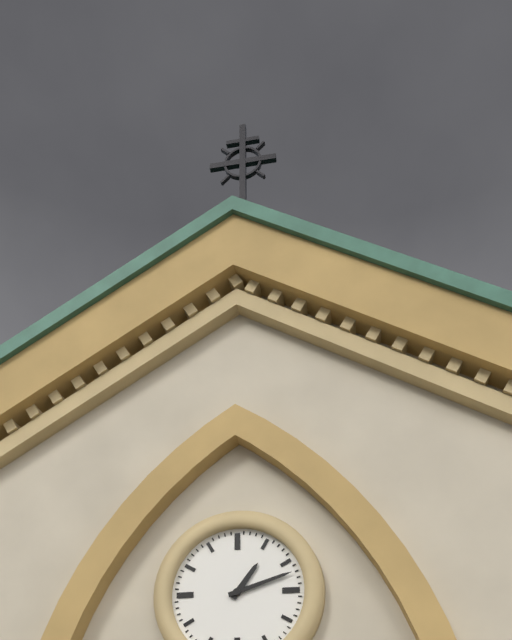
{"hour": 1, "minute": 12}
